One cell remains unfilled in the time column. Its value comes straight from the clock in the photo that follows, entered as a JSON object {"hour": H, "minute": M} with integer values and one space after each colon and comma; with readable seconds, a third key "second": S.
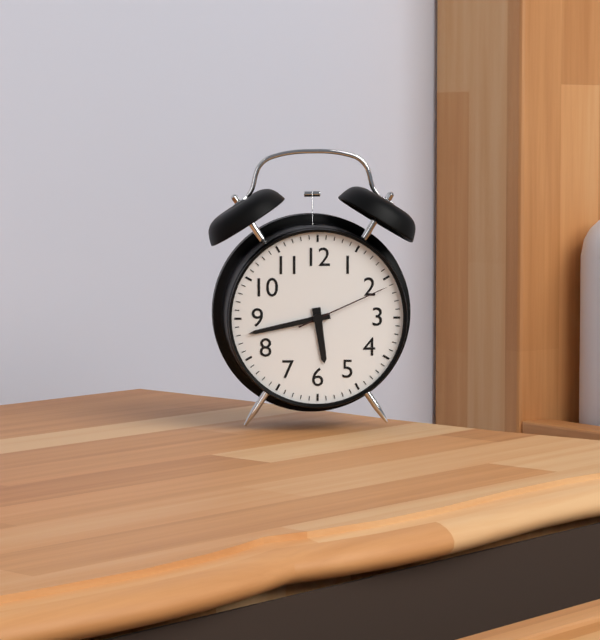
{"hour": 5, "minute": 43, "second": 11}
